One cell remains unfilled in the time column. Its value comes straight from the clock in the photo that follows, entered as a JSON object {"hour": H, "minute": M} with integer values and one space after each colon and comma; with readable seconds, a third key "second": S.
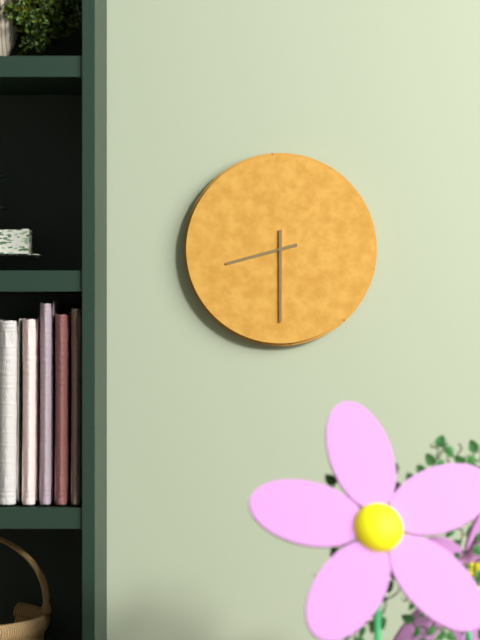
{"hour": 8, "minute": 30}
